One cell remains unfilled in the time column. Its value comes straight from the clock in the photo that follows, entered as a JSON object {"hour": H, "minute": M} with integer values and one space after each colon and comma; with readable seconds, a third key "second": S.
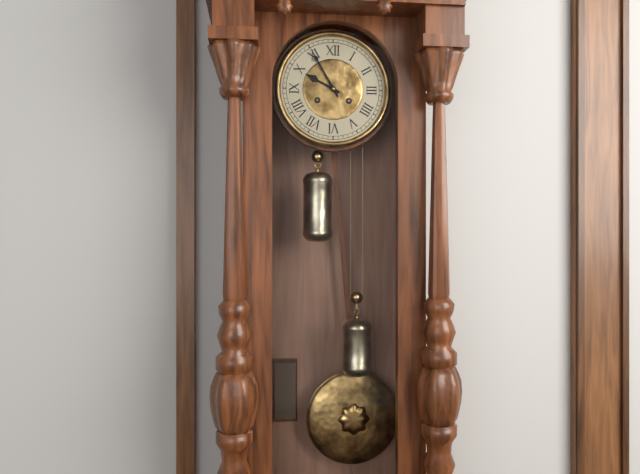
{"hour": 9, "minute": 55}
